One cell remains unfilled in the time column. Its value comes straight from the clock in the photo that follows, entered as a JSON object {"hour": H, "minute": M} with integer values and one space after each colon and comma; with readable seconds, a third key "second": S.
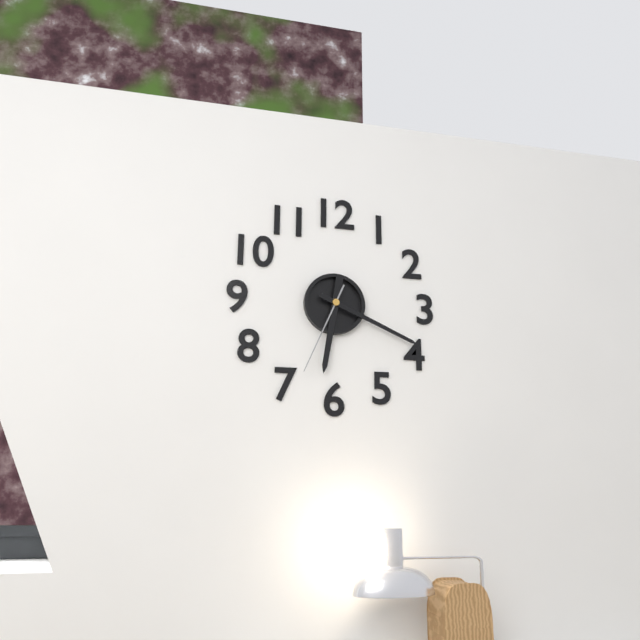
{"hour": 6, "minute": 19, "second": 34}
